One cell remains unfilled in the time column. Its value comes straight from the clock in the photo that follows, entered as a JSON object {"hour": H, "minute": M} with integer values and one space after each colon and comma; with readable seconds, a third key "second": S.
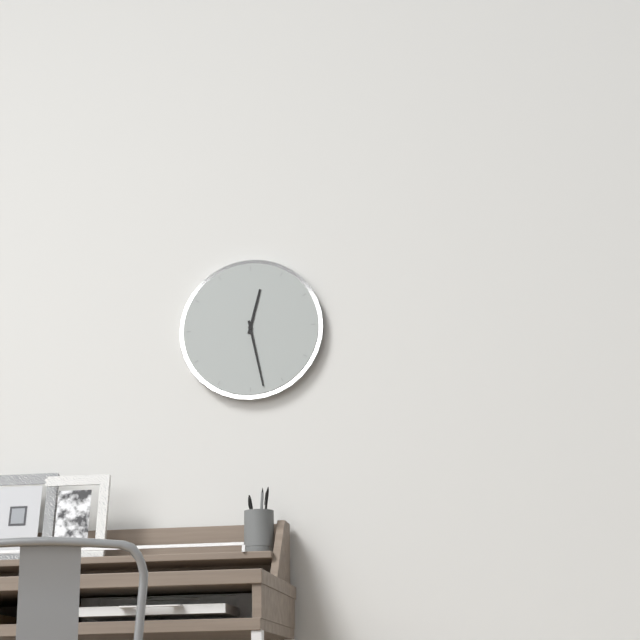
{"hour": 12, "minute": 28}
